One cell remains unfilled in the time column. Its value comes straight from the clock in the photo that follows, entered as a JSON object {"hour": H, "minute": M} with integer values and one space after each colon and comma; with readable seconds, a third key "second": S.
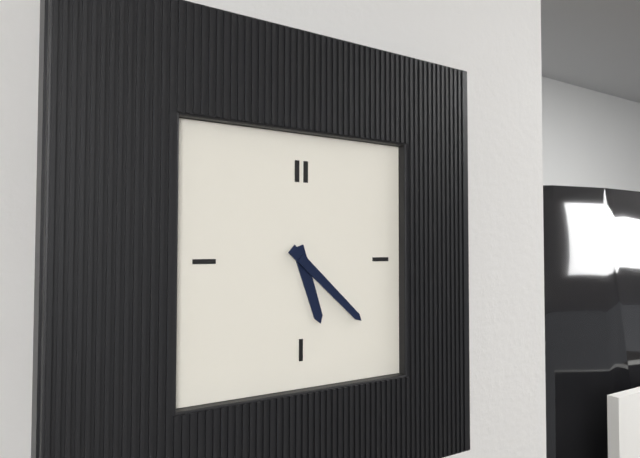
{"hour": 5, "minute": 22}
